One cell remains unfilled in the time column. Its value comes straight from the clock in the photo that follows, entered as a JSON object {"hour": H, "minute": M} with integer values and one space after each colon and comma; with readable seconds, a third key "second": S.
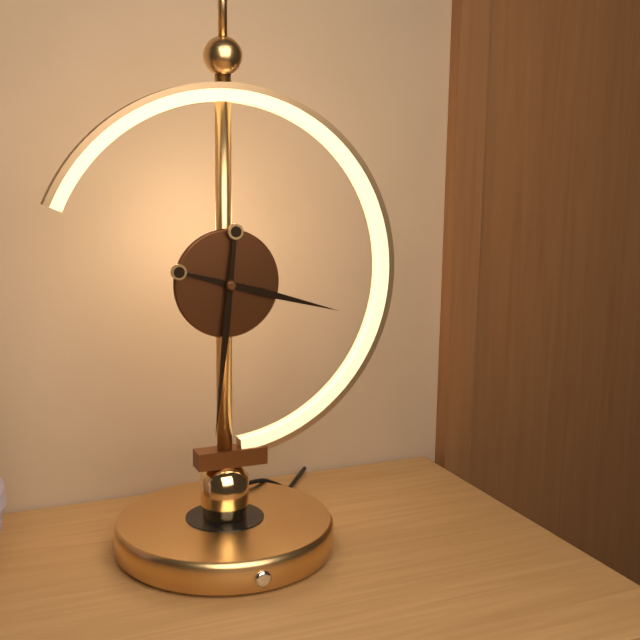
{"hour": 3, "minute": 31}
